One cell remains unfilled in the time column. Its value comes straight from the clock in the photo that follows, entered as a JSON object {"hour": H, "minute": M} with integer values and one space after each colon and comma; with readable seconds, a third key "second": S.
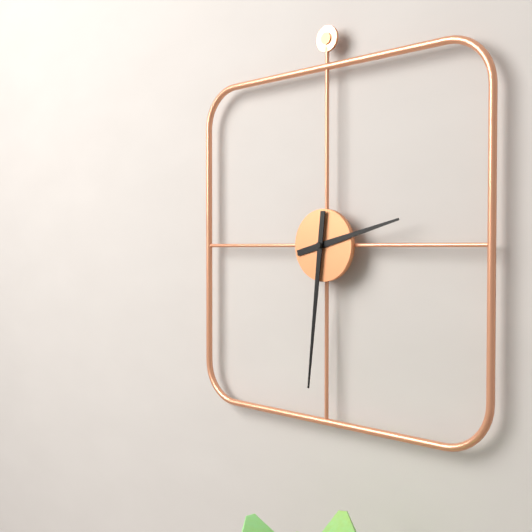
{"hour": 2, "minute": 31}
